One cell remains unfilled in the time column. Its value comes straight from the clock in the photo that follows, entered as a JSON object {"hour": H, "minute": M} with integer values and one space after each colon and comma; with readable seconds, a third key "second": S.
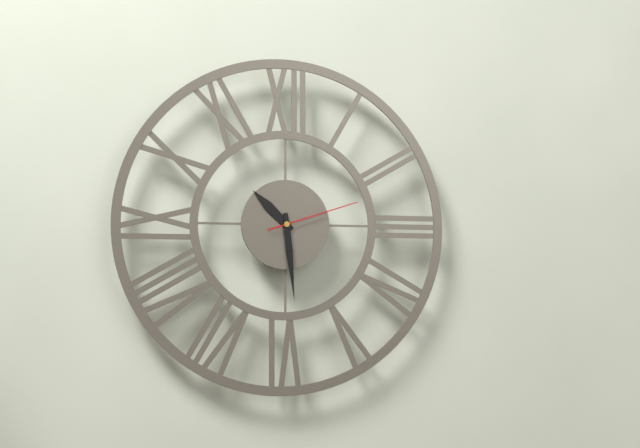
{"hour": 10, "minute": 29, "second": 12}
